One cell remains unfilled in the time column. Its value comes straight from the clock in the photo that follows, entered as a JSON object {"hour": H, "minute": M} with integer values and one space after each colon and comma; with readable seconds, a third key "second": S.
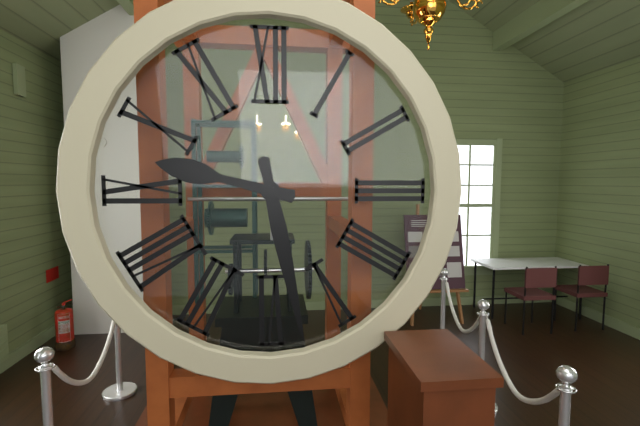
{"hour": 9, "minute": 28}
